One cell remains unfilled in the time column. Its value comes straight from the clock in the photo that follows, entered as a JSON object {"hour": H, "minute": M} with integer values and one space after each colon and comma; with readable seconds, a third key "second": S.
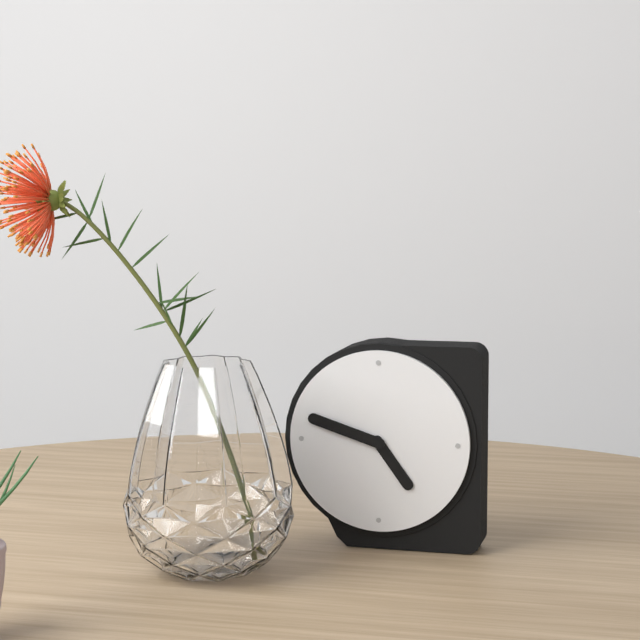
{"hour": 4, "minute": 48}
